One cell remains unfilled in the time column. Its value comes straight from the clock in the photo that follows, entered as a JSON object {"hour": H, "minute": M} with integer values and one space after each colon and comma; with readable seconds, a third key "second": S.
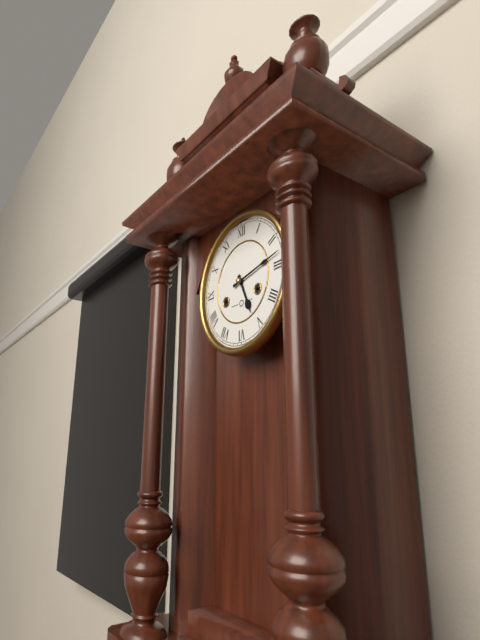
{"hour": 5, "minute": 13}
